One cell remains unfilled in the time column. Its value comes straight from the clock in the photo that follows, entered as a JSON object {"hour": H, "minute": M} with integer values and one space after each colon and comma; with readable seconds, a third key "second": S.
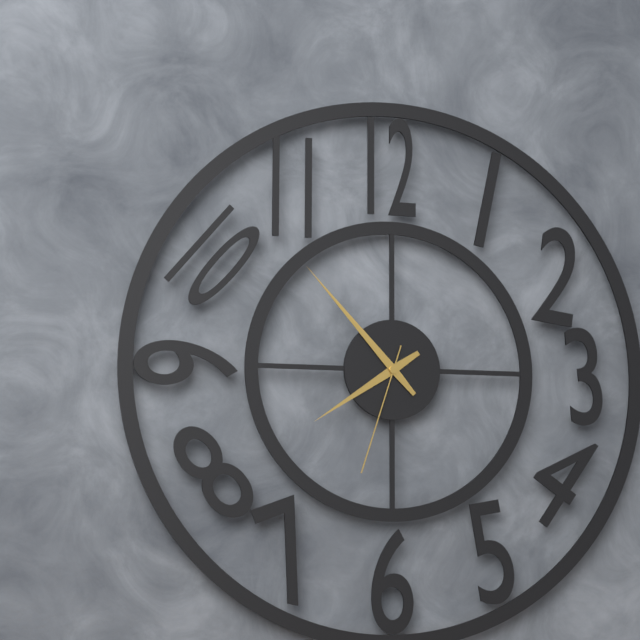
{"hour": 7, "minute": 53, "second": 33}
